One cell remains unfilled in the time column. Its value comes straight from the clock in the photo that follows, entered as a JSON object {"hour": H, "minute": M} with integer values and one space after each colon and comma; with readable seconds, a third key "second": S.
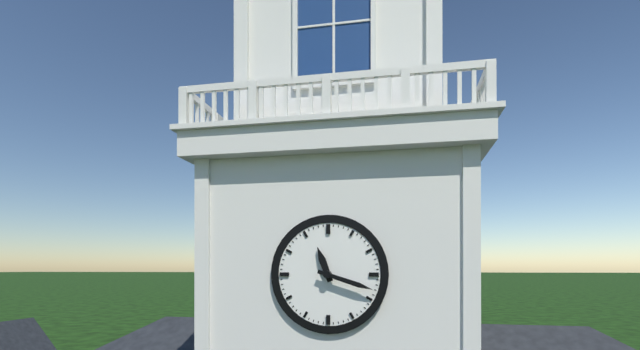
{"hour": 11, "minute": 18}
